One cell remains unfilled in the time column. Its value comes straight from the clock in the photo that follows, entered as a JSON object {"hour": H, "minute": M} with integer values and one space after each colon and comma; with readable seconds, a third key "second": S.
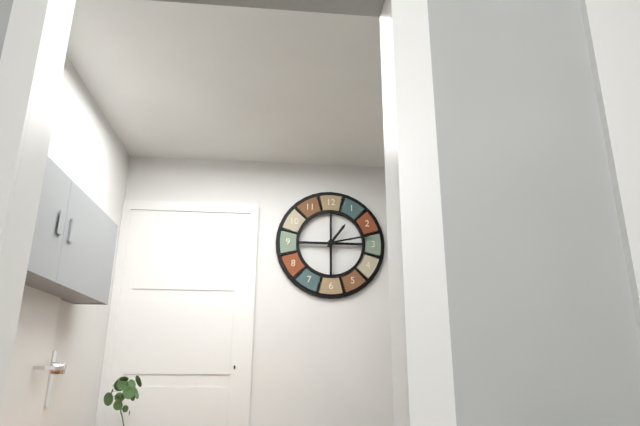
{"hour": 1, "minute": 13}
